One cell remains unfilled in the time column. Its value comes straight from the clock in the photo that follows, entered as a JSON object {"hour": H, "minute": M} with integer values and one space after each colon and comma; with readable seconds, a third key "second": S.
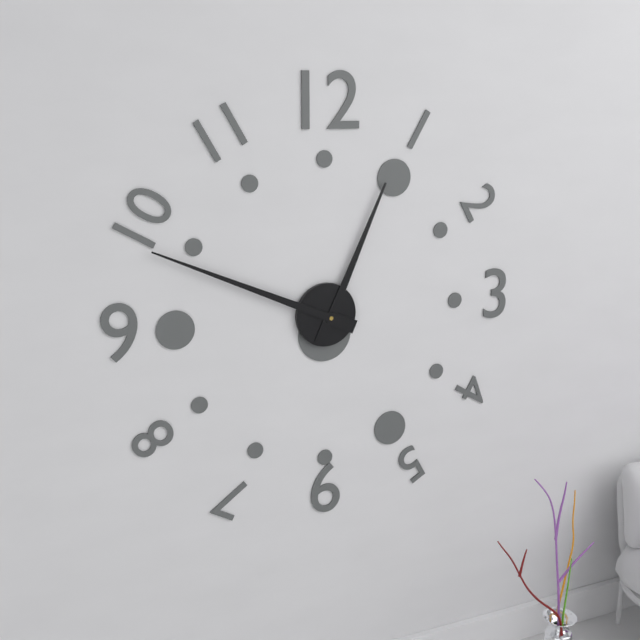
{"hour": 12, "minute": 49}
